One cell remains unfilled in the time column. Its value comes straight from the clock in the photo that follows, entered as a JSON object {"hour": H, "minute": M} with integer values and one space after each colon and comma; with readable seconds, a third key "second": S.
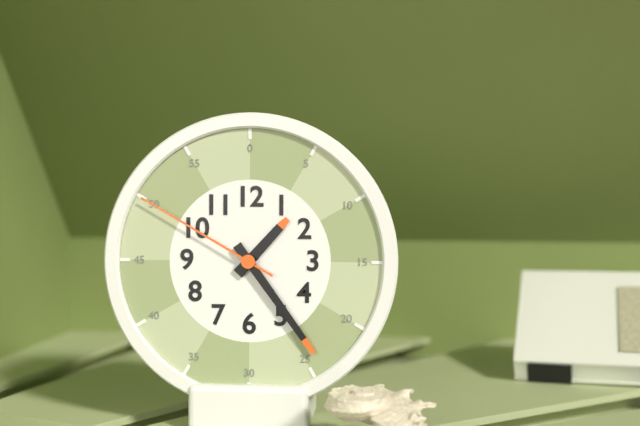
{"hour": 1, "minute": 24, "second": 50}
